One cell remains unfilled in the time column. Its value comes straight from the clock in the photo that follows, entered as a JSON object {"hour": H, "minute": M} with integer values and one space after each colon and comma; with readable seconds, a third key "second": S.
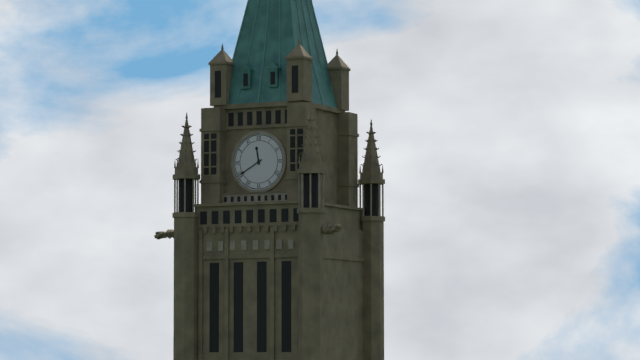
{"hour": 11, "minute": 40}
